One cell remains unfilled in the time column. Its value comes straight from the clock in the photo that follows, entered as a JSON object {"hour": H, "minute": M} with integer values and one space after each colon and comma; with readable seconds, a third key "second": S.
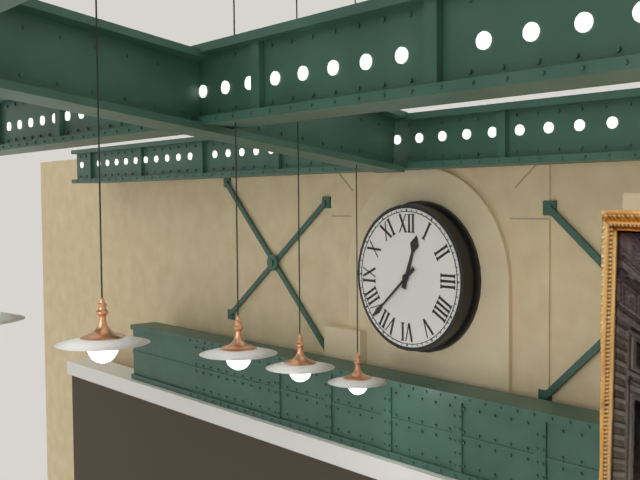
{"hour": 12, "minute": 38}
